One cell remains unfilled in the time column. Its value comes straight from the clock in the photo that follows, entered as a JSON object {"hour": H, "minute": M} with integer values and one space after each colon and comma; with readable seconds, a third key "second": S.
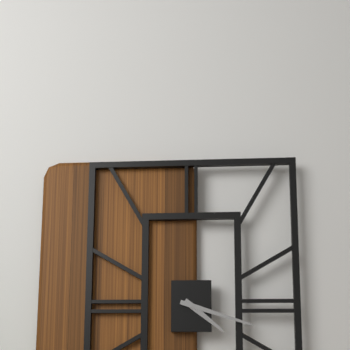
{"hour": 4, "minute": 18}
